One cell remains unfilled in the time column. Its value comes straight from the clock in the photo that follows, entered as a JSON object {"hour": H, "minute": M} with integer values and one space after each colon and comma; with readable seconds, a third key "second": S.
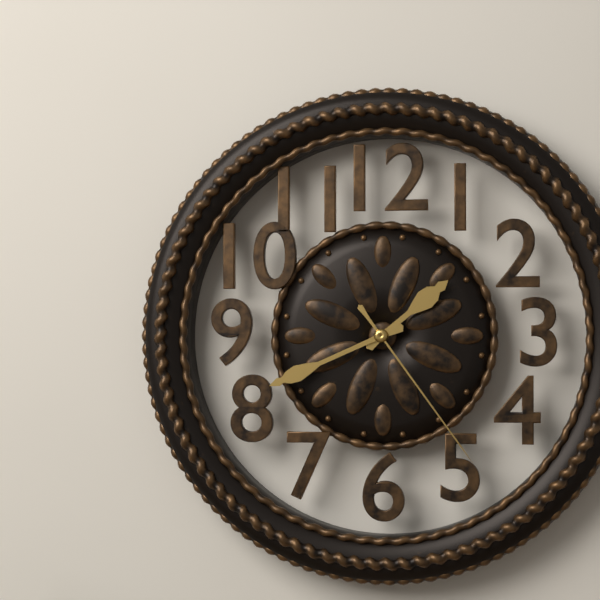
{"hour": 1, "minute": 41, "second": 24}
